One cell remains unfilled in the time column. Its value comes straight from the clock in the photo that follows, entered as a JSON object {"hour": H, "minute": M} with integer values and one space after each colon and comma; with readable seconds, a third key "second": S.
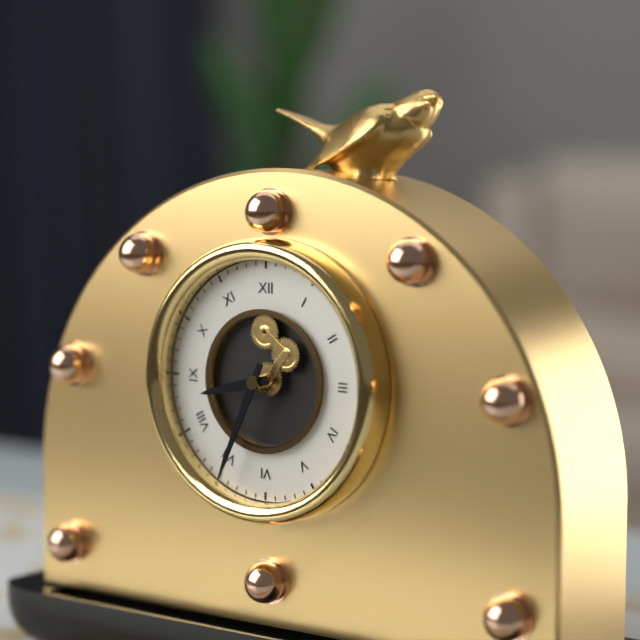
{"hour": 8, "minute": 34}
